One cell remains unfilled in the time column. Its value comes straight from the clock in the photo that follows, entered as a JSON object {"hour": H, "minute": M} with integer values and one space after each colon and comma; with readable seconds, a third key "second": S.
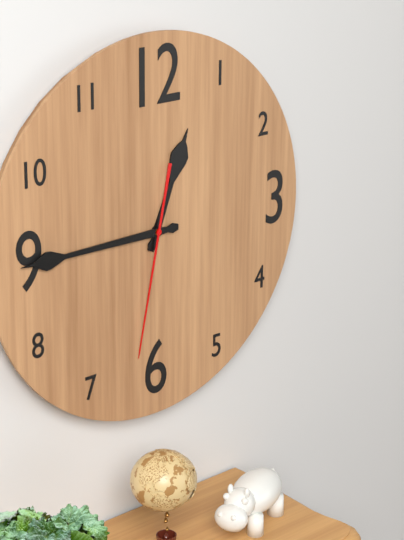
{"hour": 12, "minute": 45, "second": 32}
